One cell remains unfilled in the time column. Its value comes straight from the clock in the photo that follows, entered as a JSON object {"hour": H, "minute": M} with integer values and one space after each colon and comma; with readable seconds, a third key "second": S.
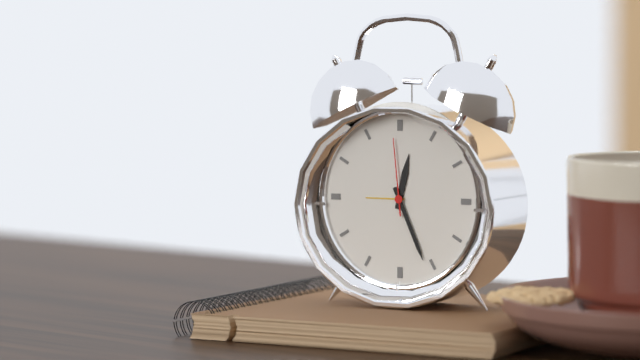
{"hour": 12, "minute": 26, "second": 59}
